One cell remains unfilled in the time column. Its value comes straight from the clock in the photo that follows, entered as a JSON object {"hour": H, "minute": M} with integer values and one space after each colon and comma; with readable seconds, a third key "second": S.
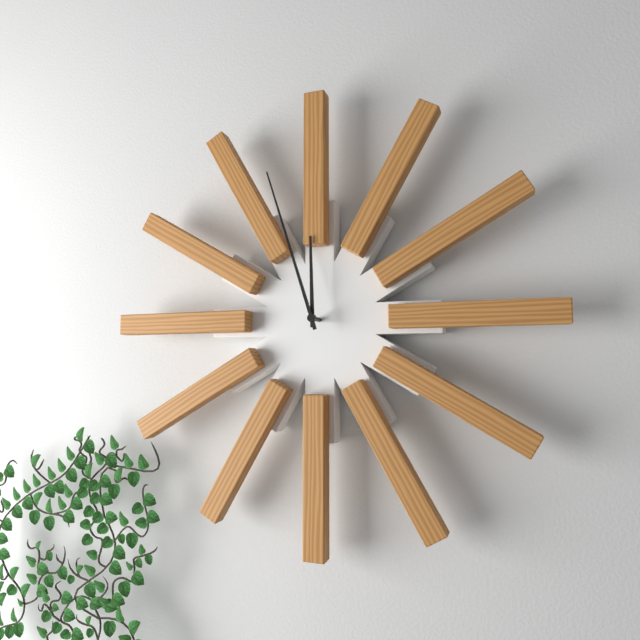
{"hour": 11, "minute": 57}
